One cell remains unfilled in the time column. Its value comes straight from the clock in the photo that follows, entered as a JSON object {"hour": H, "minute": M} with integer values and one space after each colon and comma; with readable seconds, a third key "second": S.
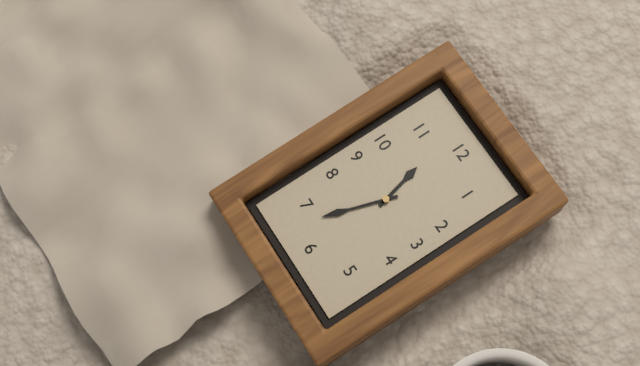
{"hour": 11, "minute": 33}
